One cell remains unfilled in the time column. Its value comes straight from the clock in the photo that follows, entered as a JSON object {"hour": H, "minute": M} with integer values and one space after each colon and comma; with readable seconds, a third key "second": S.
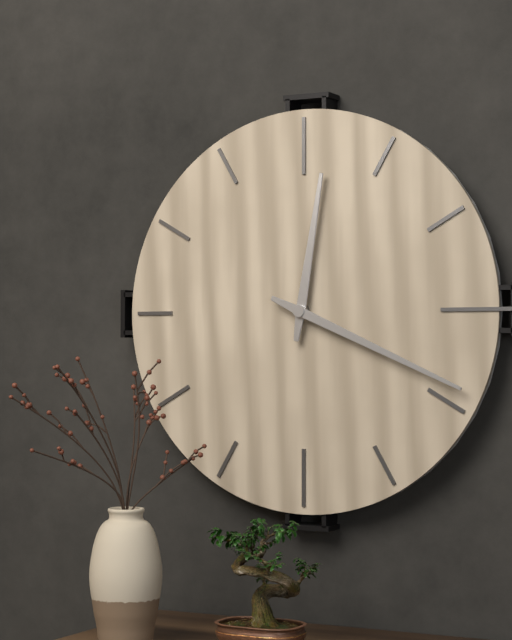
{"hour": 12, "minute": 19}
